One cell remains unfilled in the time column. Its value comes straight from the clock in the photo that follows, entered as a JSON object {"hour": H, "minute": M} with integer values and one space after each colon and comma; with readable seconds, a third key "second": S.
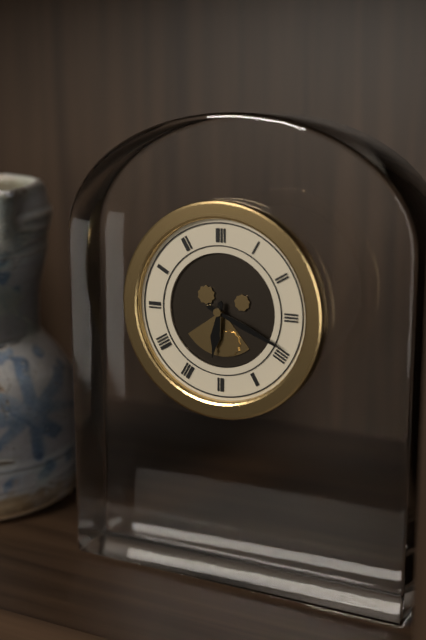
{"hour": 6, "minute": 19}
